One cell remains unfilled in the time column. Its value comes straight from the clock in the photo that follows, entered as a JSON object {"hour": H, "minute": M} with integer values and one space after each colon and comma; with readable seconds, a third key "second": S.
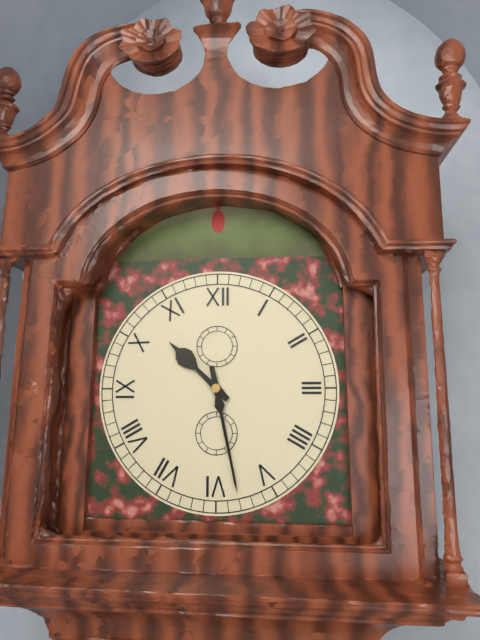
{"hour": 10, "minute": 28}
